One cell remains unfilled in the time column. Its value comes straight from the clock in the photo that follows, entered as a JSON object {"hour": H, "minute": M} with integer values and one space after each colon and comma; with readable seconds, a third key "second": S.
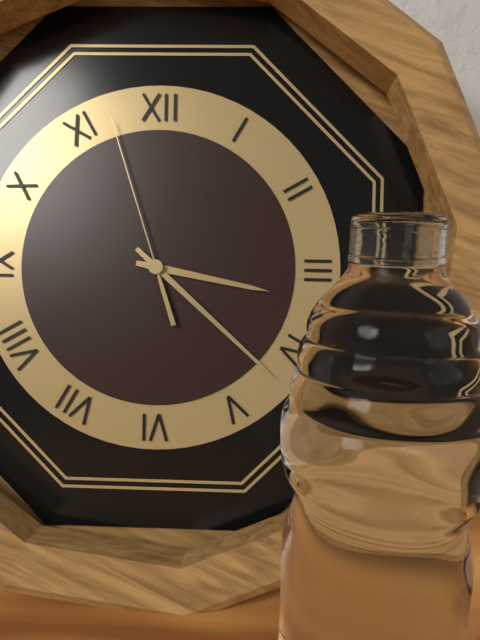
{"hour": 3, "minute": 22, "second": 57}
